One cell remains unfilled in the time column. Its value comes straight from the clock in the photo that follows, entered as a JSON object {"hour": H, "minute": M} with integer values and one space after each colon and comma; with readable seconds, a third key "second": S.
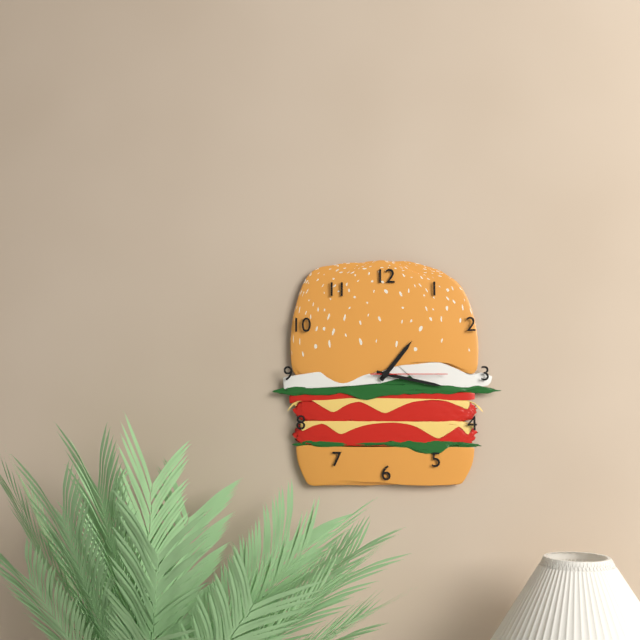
{"hour": 1, "minute": 17, "second": 15}
